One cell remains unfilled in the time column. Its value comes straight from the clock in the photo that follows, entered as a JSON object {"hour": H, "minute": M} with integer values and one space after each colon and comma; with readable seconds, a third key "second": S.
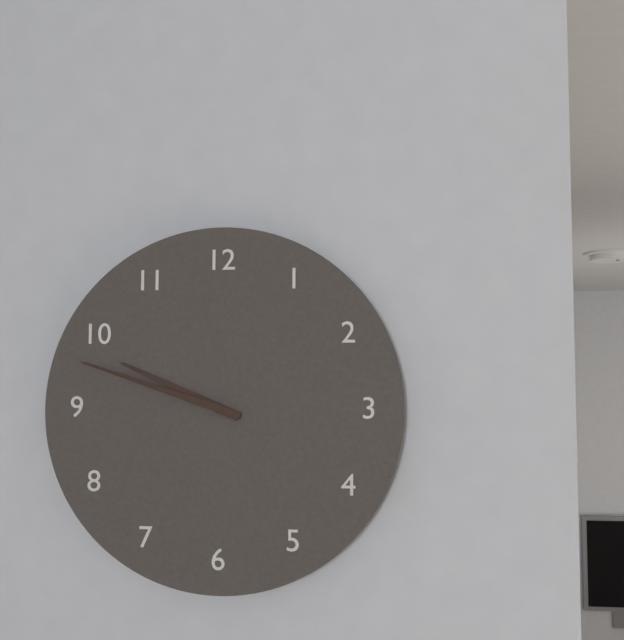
{"hour": 9, "minute": 48}
